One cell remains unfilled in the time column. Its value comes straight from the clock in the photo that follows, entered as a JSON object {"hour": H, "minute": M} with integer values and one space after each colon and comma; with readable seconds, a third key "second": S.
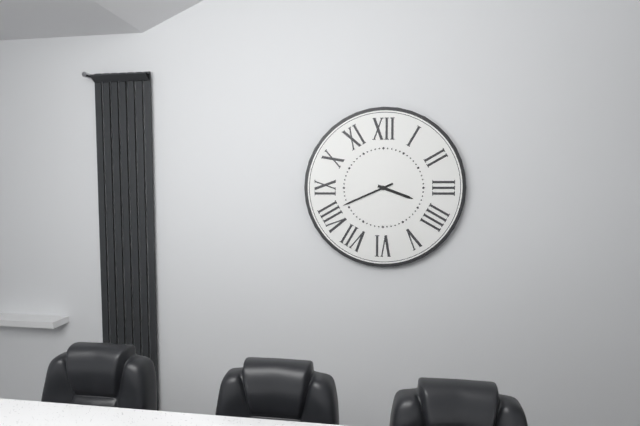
{"hour": 3, "minute": 41}
